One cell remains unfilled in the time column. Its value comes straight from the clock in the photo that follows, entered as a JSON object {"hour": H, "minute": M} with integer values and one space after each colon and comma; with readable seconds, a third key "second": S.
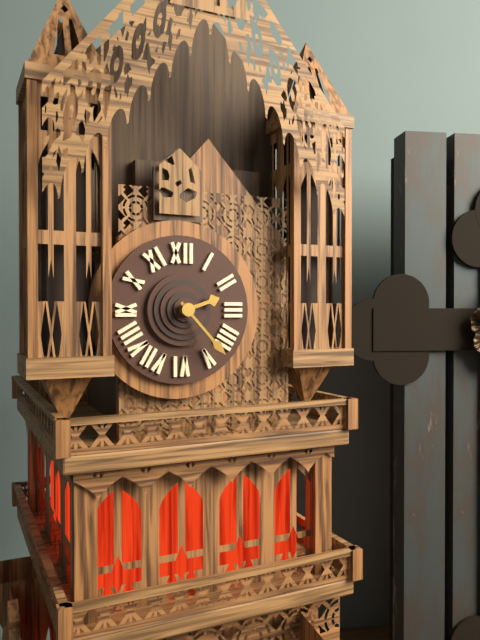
{"hour": 2, "minute": 23}
